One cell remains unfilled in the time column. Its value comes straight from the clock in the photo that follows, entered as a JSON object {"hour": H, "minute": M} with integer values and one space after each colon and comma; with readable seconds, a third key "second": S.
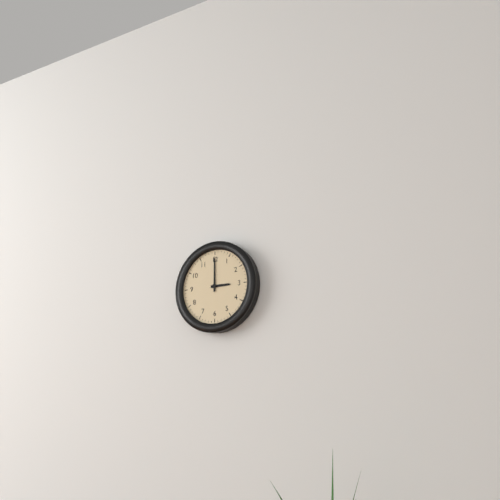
{"hour": 3, "minute": 0}
